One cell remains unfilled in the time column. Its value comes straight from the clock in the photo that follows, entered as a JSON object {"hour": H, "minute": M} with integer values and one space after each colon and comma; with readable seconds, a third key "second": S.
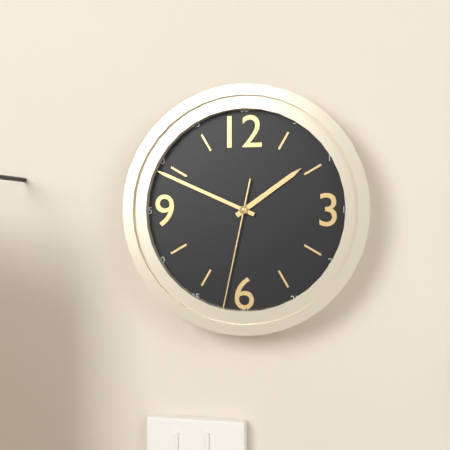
{"hour": 1, "minute": 49, "second": 32}
